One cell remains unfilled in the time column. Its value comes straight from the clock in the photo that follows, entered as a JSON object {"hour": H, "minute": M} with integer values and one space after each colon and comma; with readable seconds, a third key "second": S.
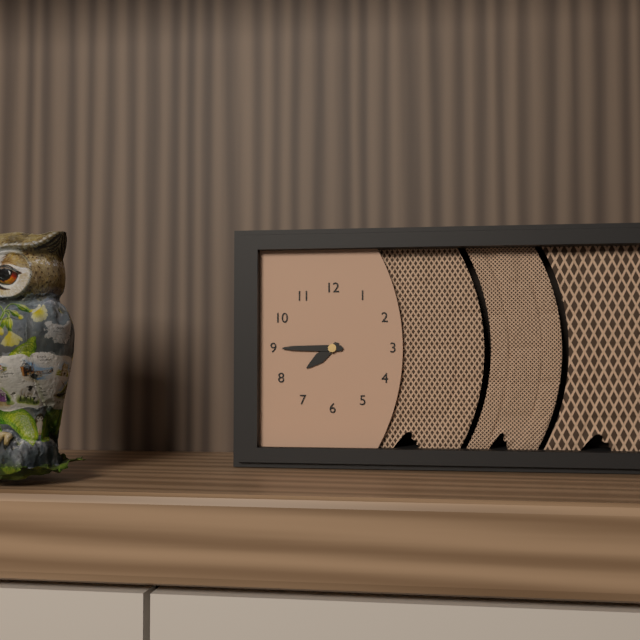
{"hour": 7, "minute": 45}
